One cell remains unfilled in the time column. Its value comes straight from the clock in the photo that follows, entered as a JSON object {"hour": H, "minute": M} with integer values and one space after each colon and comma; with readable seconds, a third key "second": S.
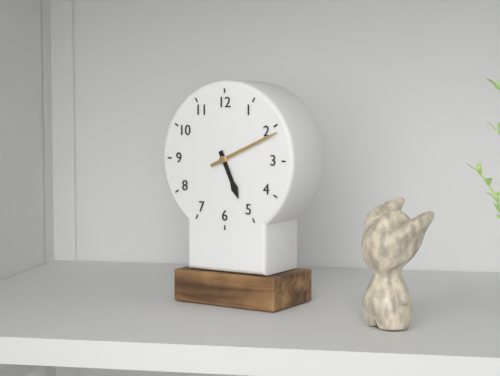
{"hour": 5, "minute": 11}
